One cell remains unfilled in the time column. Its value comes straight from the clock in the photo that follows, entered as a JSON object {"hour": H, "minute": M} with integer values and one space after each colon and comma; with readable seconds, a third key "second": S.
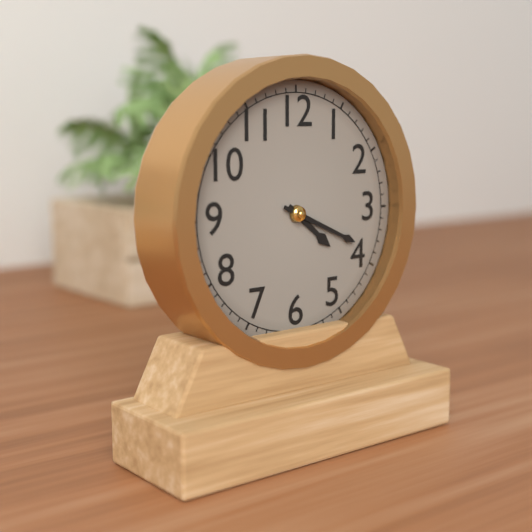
{"hour": 4, "minute": 19}
